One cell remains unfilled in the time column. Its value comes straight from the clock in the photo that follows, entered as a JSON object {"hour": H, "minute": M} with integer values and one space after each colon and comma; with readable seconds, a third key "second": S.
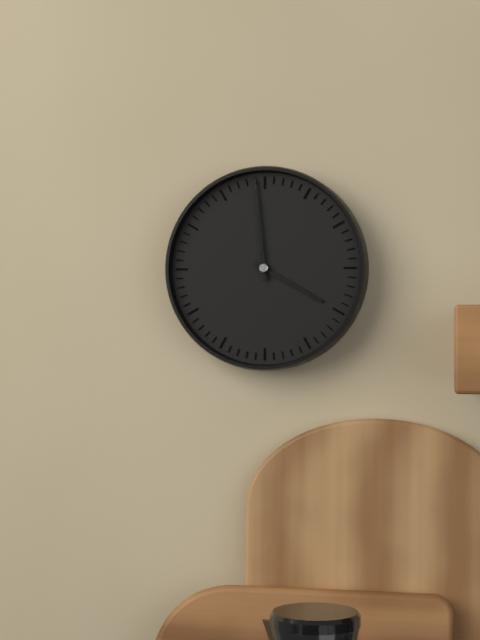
{"hour": 3, "minute": 59}
